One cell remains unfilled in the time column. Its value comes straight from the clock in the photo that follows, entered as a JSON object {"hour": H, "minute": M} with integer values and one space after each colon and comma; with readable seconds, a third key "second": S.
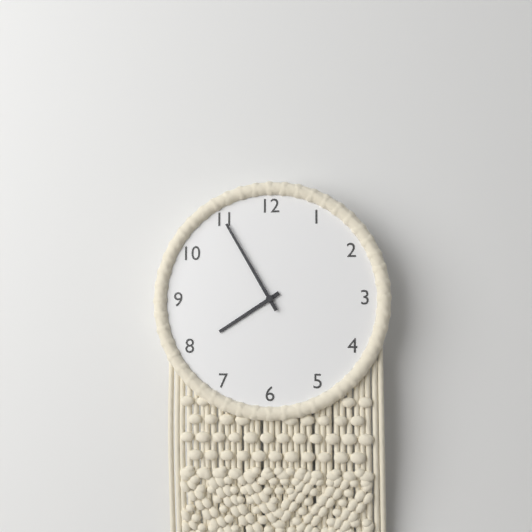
{"hour": 7, "minute": 55}
